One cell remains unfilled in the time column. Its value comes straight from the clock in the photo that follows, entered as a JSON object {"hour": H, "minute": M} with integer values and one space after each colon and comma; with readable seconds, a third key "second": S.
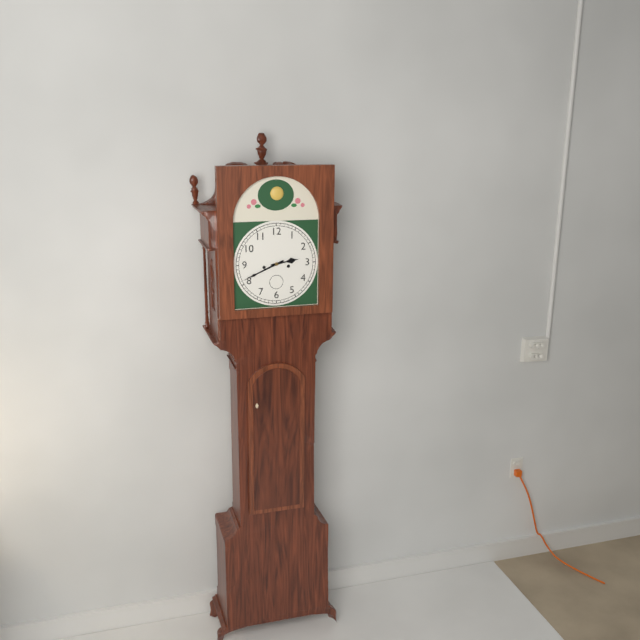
{"hour": 2, "minute": 41}
